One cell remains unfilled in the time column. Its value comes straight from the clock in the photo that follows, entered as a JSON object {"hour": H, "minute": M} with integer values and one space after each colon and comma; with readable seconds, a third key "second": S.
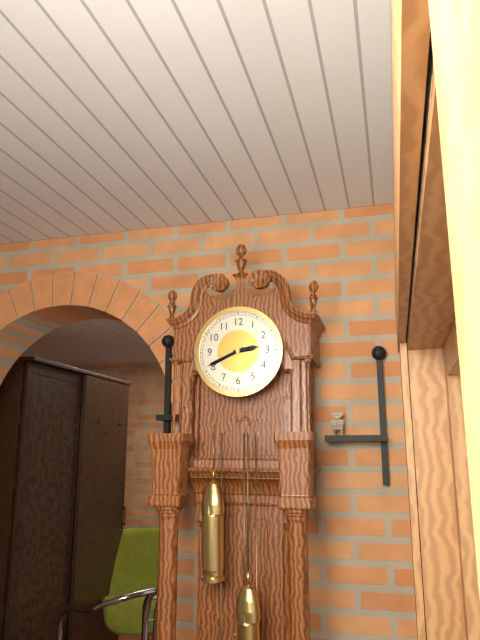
{"hour": 2, "minute": 41}
